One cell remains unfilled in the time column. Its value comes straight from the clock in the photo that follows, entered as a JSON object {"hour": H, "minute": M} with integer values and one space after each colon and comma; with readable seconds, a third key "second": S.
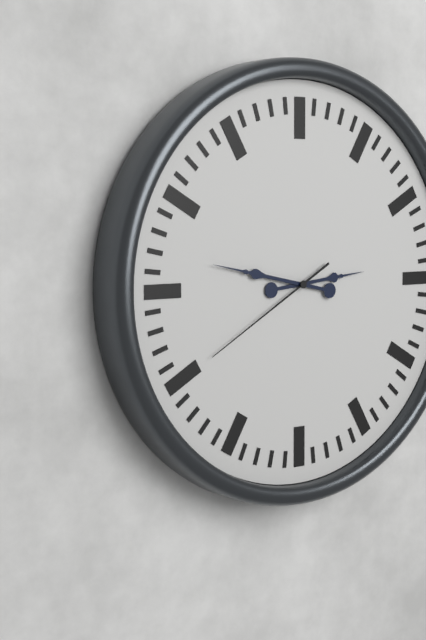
{"hour": 2, "minute": 47, "second": 40}
